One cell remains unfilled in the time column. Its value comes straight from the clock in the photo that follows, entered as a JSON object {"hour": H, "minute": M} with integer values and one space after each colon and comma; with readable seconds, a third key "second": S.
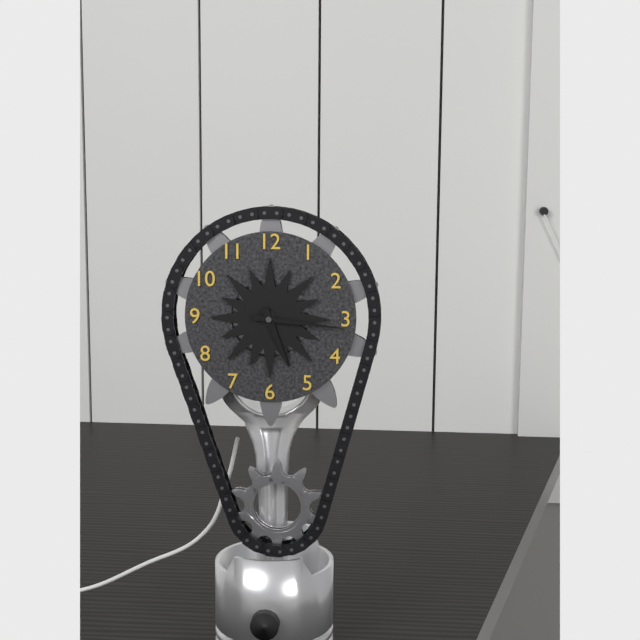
{"hour": 5, "minute": 16}
